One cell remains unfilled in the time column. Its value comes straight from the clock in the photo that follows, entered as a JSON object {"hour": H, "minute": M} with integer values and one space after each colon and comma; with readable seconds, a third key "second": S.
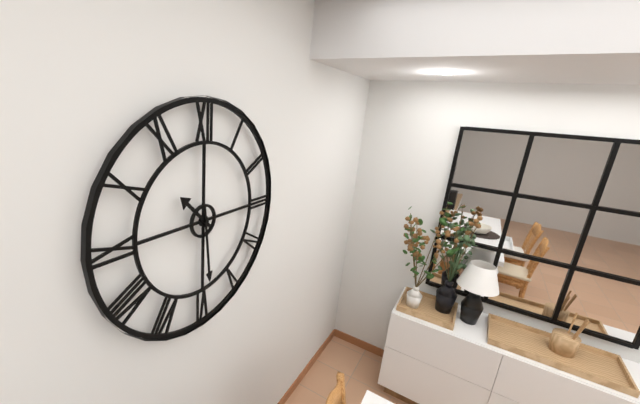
{"hour": 10, "minute": 29}
